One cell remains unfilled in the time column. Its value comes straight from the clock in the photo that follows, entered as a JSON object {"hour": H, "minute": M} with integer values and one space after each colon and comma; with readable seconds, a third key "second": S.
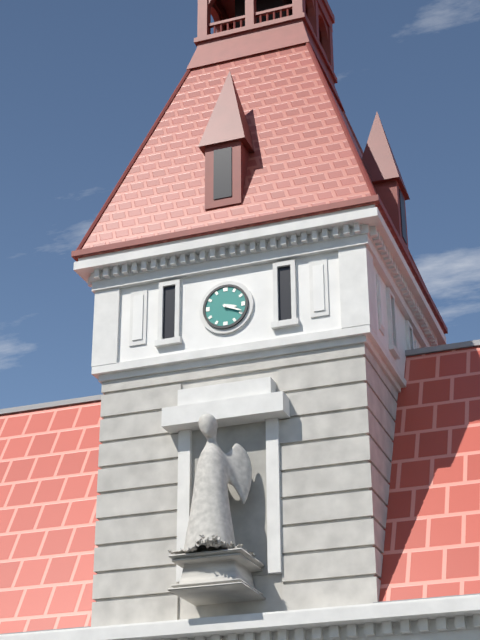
{"hour": 3, "minute": 19}
